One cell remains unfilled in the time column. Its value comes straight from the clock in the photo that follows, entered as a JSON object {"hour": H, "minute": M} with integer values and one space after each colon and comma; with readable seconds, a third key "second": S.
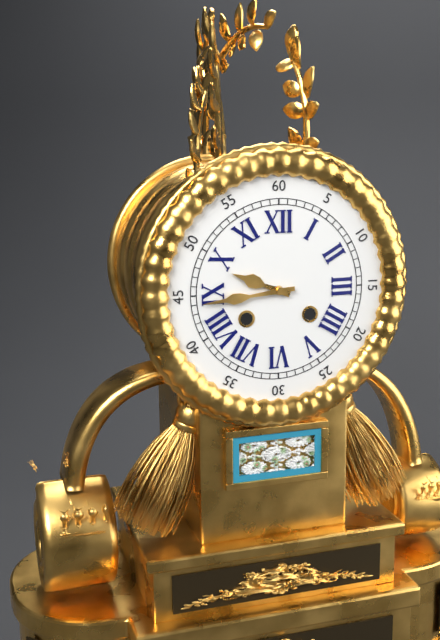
{"hour": 9, "minute": 44}
